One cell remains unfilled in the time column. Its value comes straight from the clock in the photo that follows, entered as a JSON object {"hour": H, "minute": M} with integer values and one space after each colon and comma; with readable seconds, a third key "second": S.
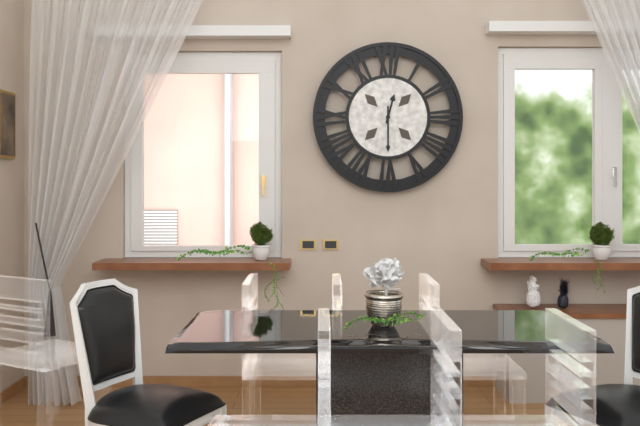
{"hour": 12, "minute": 30}
